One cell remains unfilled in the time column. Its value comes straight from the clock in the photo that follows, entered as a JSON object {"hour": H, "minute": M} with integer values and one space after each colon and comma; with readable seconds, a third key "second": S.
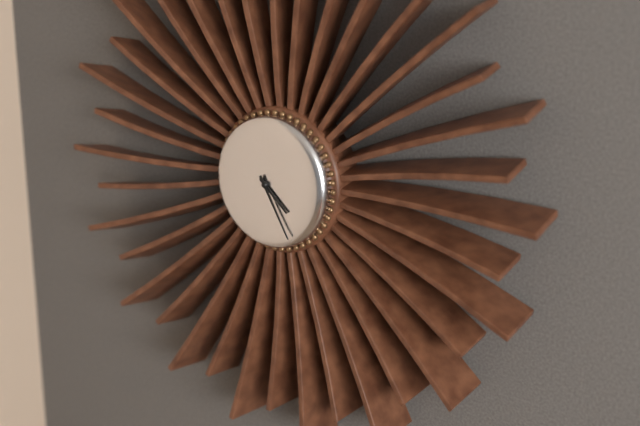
{"hour": 4, "minute": 25}
